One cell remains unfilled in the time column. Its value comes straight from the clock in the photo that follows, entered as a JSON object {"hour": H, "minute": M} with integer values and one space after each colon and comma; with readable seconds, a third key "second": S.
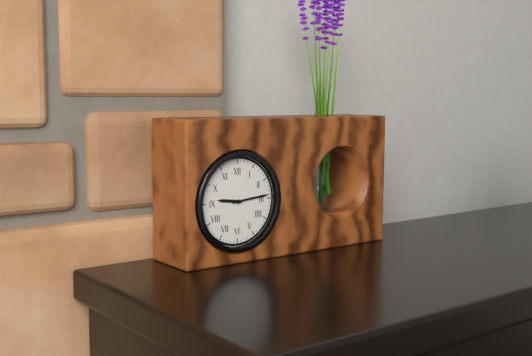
{"hour": 9, "minute": 14}
